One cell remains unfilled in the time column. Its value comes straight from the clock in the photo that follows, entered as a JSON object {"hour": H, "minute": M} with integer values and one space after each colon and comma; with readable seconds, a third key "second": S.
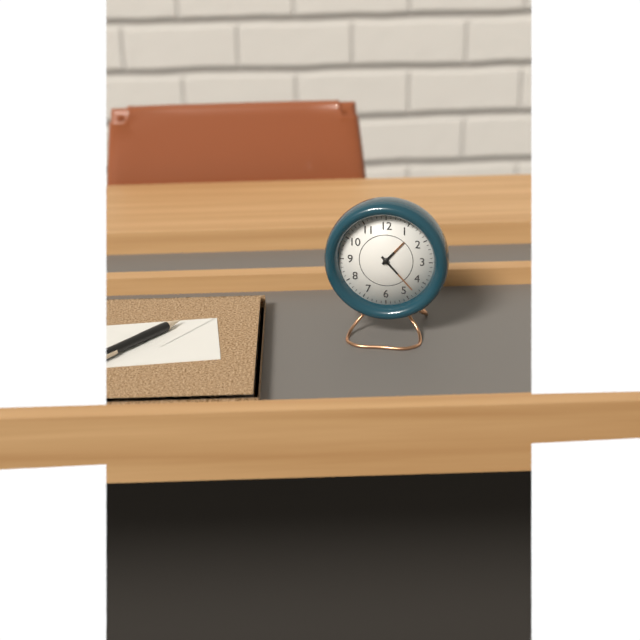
{"hour": 1, "minute": 23}
